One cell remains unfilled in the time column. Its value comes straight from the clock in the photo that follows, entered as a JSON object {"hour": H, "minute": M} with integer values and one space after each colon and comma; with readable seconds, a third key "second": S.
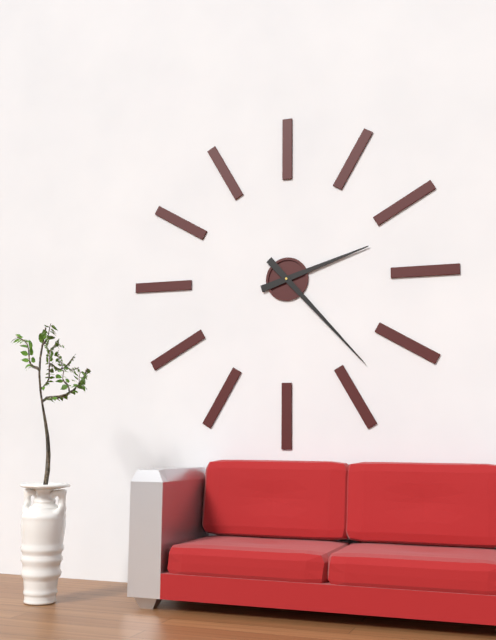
{"hour": 2, "minute": 23}
